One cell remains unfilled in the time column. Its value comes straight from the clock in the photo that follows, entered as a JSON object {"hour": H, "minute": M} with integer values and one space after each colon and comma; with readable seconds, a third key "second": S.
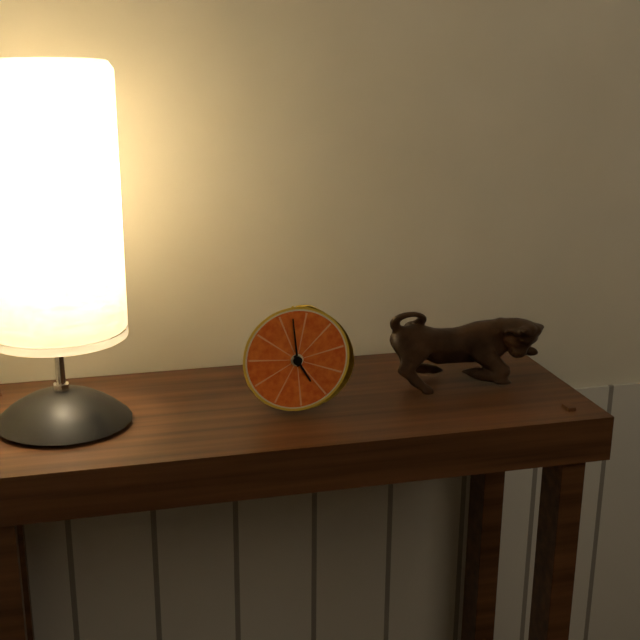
{"hour": 4, "minute": 59}
